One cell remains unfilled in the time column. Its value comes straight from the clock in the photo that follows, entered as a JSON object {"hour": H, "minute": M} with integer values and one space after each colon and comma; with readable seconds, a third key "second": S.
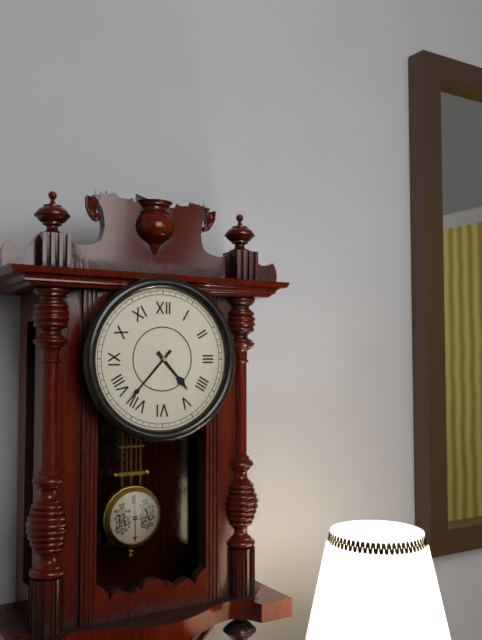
{"hour": 4, "minute": 37}
